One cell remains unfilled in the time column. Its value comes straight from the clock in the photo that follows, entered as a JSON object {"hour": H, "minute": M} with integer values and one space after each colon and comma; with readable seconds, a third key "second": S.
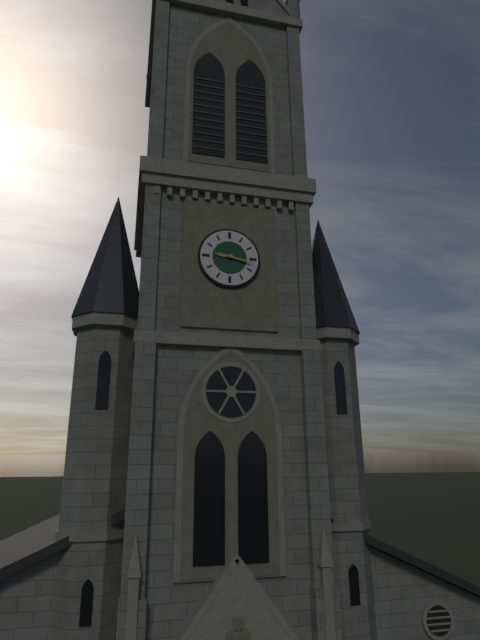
{"hour": 9, "minute": 17}
